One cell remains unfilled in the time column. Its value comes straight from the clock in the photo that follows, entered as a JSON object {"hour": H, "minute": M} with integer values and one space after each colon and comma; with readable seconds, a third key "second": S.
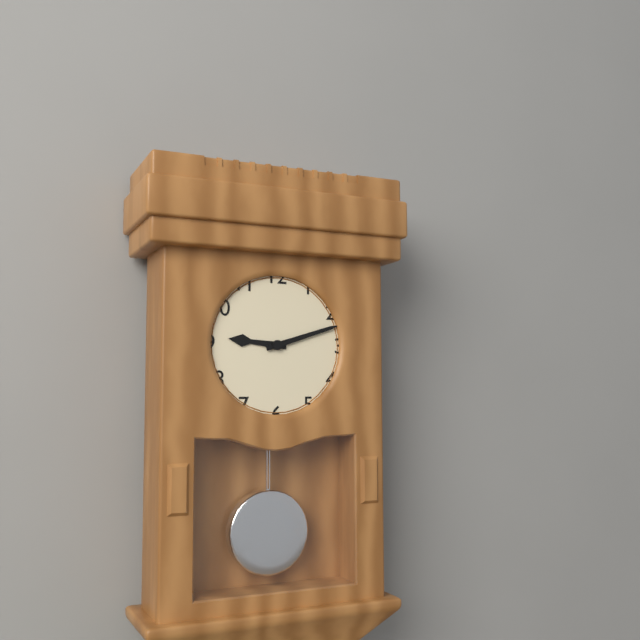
{"hour": 9, "minute": 12}
